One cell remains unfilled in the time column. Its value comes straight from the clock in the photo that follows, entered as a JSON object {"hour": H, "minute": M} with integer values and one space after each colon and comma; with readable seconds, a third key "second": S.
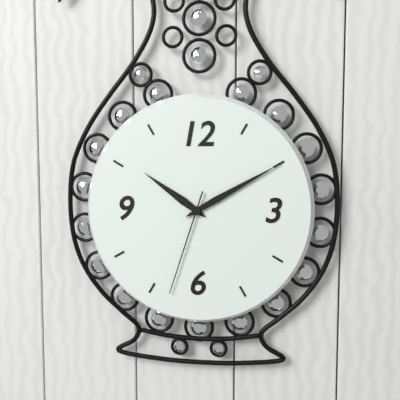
{"hour": 10, "minute": 10, "second": 33}
